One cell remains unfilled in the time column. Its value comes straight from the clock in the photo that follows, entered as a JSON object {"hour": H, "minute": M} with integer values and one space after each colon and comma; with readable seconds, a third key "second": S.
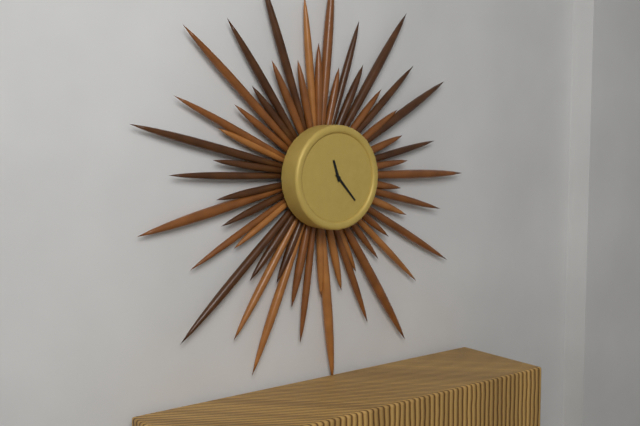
{"hour": 11, "minute": 23}
